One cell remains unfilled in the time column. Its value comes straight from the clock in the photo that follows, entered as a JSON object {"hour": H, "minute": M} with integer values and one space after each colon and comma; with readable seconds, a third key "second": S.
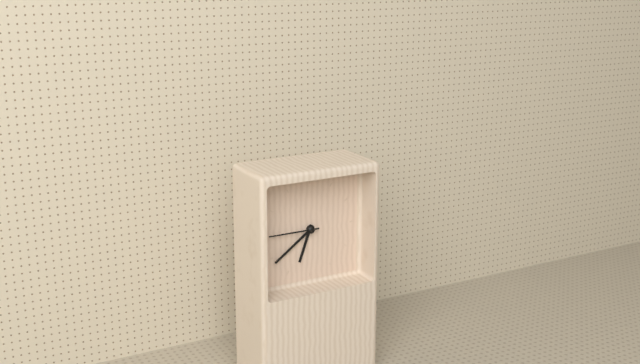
{"hour": 6, "minute": 39, "second": 45}
